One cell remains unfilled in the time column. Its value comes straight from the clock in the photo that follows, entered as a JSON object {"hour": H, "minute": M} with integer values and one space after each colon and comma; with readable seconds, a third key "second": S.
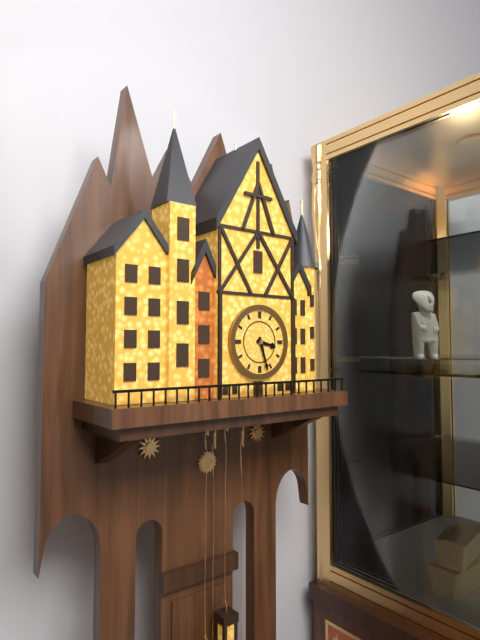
{"hour": 3, "minute": 27}
